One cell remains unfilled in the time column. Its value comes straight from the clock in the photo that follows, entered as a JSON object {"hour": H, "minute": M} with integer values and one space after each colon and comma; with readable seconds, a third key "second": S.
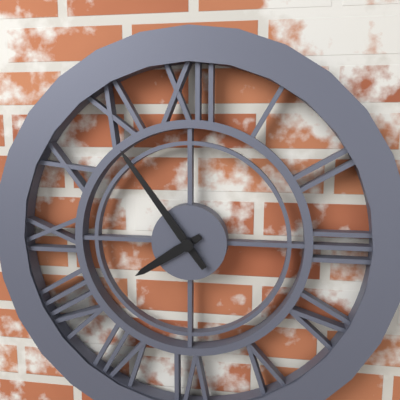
{"hour": 7, "minute": 54}
